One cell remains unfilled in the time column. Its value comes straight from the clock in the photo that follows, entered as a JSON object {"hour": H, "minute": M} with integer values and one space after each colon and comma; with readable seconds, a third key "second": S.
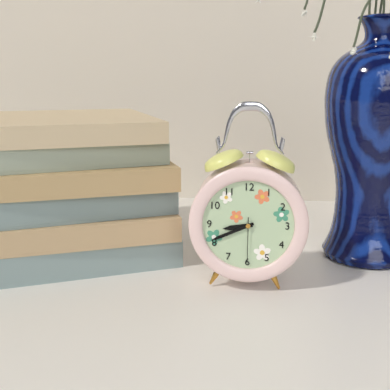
{"hour": 8, "minute": 41}
